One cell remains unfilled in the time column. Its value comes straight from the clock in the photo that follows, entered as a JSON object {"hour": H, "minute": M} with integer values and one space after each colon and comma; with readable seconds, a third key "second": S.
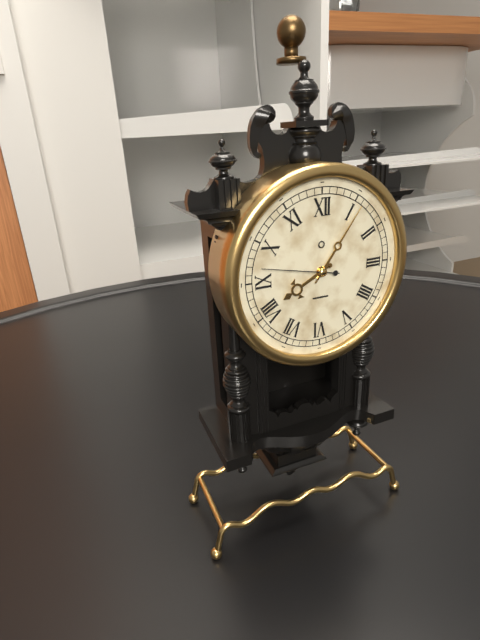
{"hour": 8, "minute": 6, "second": 47}
